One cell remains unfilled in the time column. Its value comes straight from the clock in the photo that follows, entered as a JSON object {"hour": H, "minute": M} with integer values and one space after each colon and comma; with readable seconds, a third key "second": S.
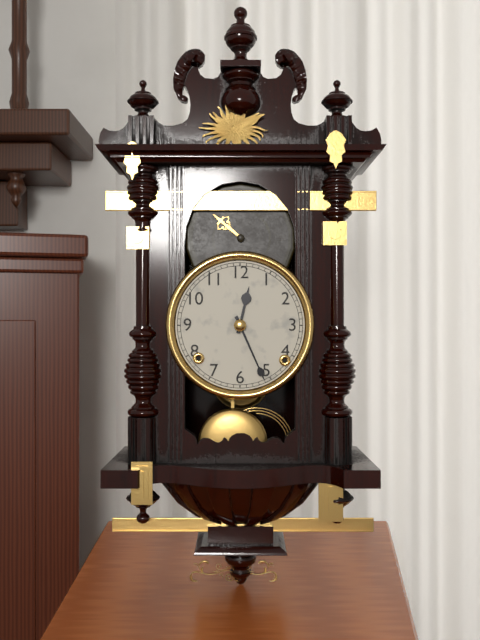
{"hour": 12, "minute": 26}
